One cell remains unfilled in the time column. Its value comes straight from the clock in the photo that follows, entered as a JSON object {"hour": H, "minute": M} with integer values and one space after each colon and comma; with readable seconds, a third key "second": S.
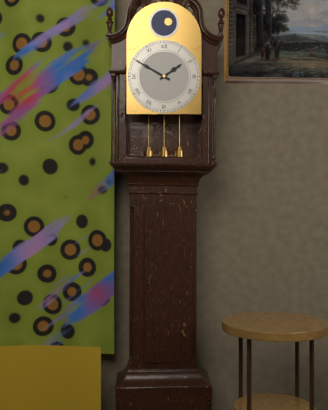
{"hour": 1, "minute": 50}
